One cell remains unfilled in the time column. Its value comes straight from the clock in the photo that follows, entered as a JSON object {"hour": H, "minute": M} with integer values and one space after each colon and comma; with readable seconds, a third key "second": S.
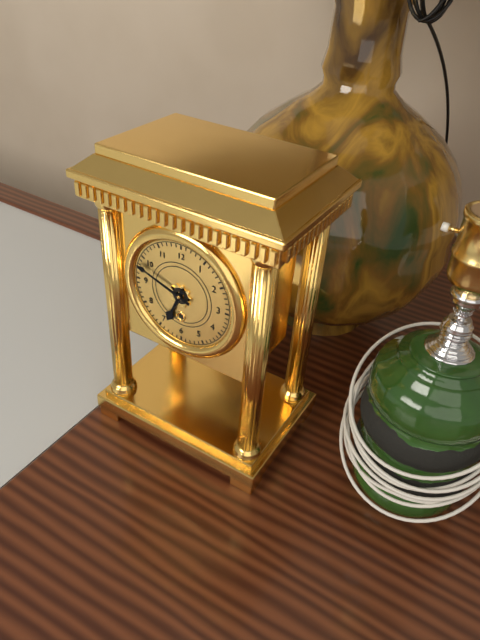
{"hour": 6, "minute": 48}
